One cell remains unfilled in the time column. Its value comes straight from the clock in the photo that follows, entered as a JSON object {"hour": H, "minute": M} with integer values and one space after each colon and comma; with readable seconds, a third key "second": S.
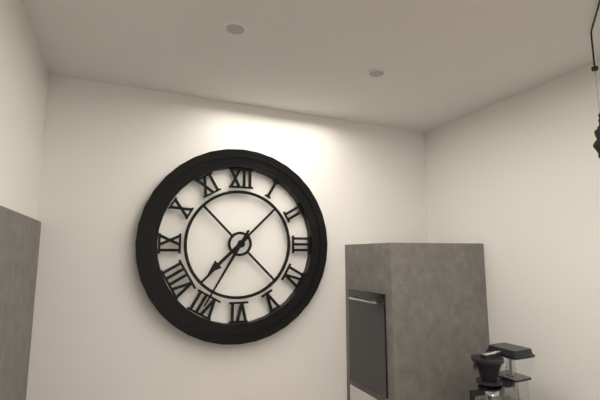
{"hour": 7, "minute": 35}
